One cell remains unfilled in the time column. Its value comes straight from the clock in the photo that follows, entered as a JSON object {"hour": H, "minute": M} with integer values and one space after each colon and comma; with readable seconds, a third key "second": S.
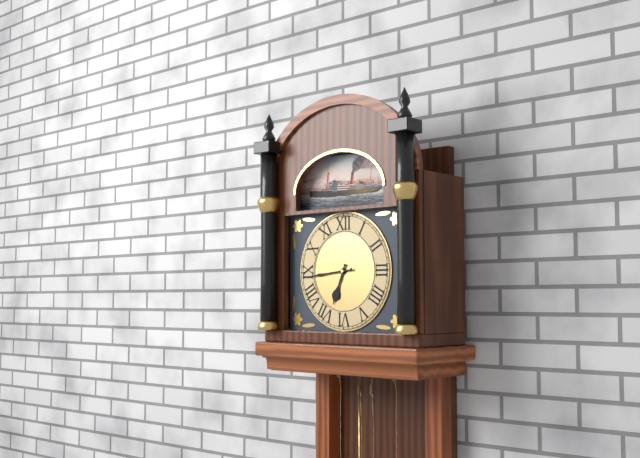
{"hour": 6, "minute": 44}
